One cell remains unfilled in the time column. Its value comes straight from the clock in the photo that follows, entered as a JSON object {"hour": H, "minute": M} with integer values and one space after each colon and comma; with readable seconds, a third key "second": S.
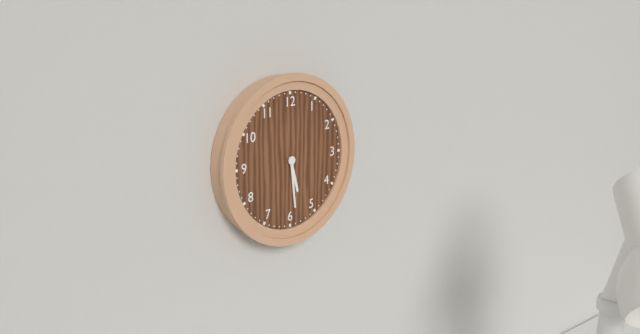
{"hour": 5, "minute": 29}
